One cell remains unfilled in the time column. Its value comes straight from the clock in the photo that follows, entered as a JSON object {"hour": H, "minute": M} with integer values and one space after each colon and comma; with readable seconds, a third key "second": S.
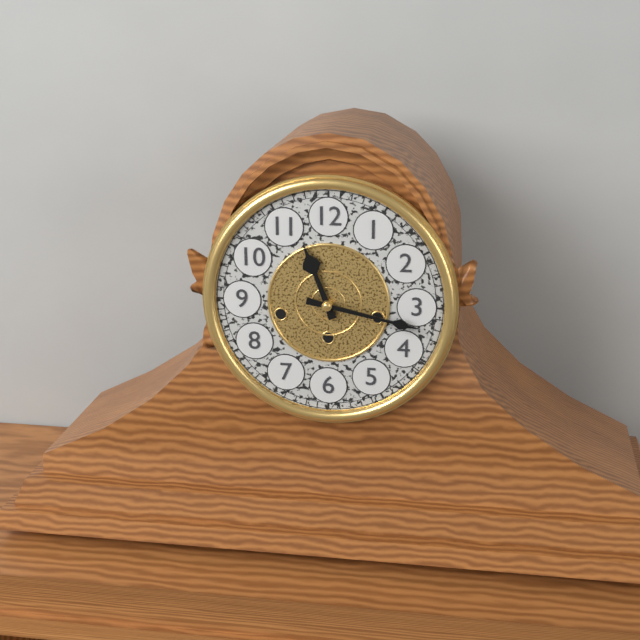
{"hour": 11, "minute": 17}
